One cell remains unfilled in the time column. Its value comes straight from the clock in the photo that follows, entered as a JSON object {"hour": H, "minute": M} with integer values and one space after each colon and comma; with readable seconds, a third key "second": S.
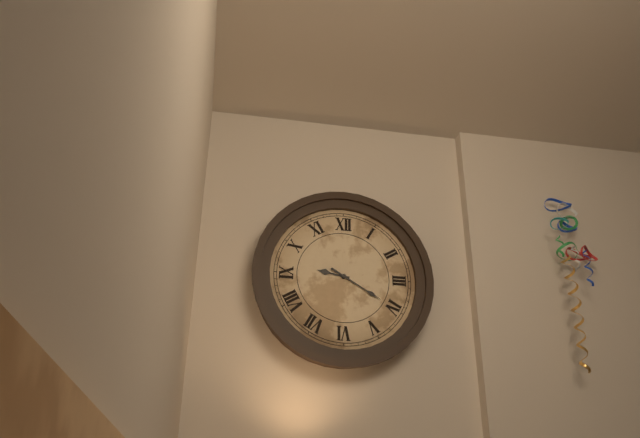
{"hour": 9, "minute": 20}
